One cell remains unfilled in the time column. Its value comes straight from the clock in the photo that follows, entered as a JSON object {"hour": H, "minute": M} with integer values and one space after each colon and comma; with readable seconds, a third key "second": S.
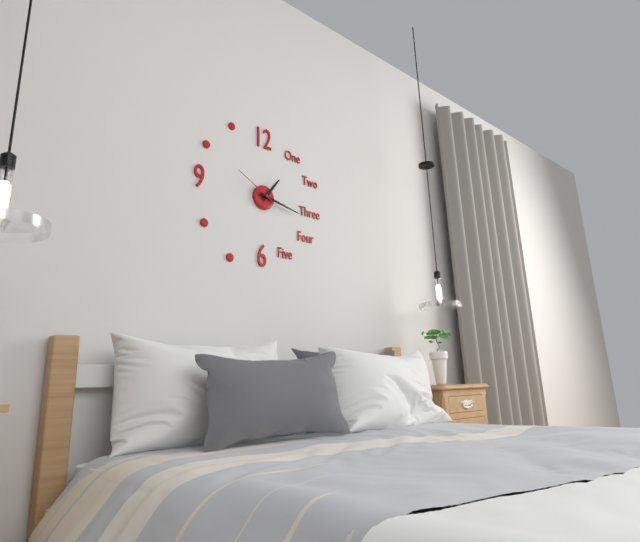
{"hour": 1, "minute": 17}
